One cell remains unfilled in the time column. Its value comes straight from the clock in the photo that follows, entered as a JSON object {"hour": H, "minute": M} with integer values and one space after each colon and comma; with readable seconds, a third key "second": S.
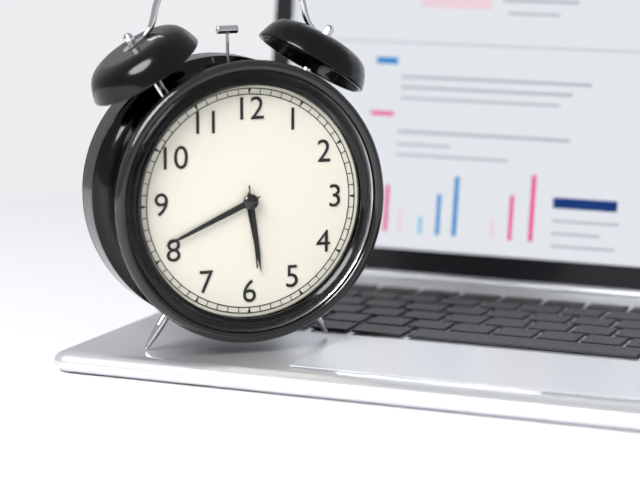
{"hour": 5, "minute": 41, "second": 29}
